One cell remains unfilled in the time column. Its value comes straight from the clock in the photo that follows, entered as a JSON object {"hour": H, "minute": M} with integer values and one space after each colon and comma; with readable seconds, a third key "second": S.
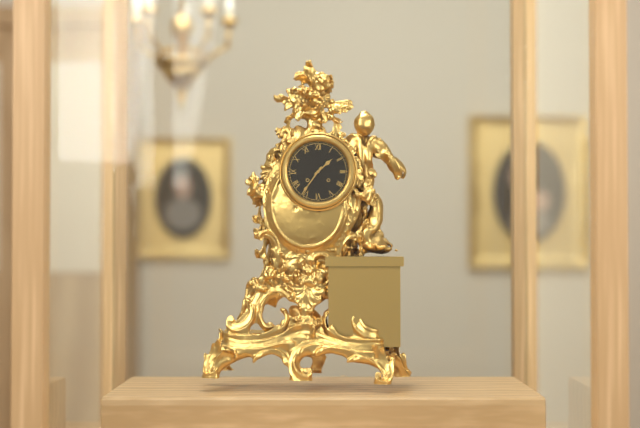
{"hour": 1, "minute": 36}
